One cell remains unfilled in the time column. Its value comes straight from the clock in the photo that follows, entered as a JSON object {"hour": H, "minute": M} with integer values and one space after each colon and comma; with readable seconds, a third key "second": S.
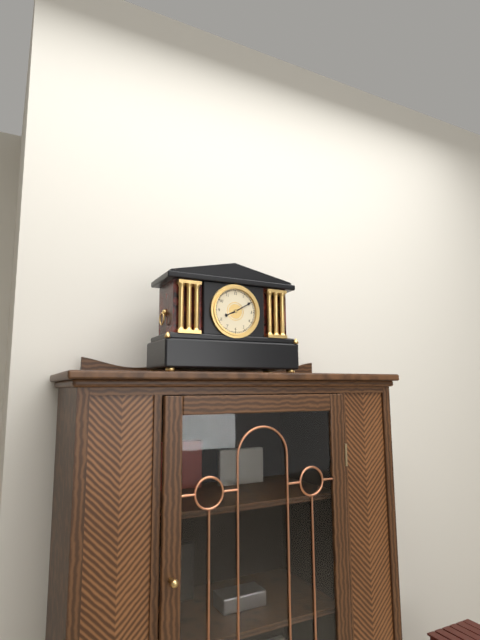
{"hour": 8, "minute": 10}
